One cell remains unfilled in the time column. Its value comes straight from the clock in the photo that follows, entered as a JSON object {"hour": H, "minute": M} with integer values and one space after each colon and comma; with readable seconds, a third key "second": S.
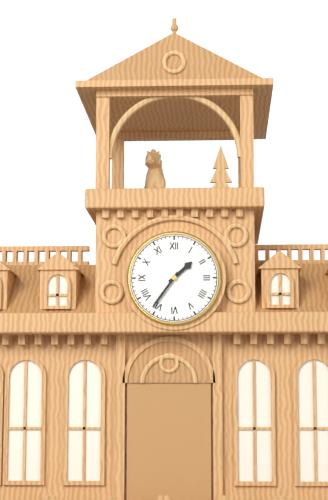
{"hour": 1, "minute": 36}
